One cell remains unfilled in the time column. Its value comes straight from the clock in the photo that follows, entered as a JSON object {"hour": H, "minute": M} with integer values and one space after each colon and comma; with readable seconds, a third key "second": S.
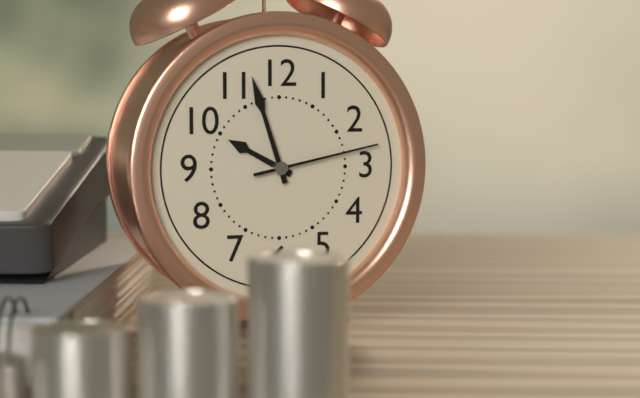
{"hour": 9, "minute": 57, "second": 13}
